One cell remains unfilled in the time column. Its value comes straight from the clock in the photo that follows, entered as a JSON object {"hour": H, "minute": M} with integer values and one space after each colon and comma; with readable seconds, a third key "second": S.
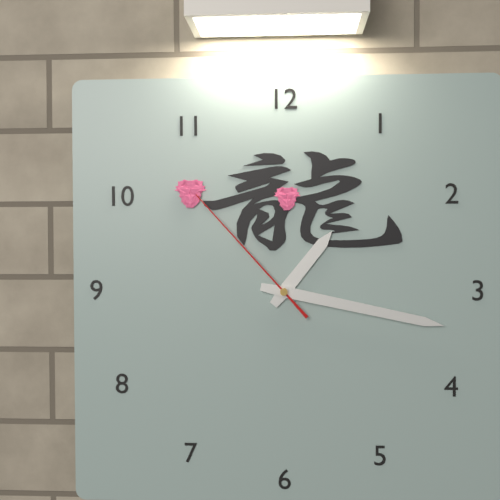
{"hour": 1, "minute": 17, "second": 53}
